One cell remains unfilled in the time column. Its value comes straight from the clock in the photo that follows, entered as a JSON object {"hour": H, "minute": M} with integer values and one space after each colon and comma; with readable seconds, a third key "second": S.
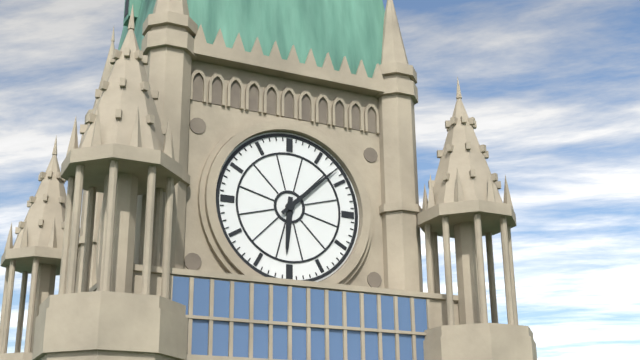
{"hour": 6, "minute": 8}
